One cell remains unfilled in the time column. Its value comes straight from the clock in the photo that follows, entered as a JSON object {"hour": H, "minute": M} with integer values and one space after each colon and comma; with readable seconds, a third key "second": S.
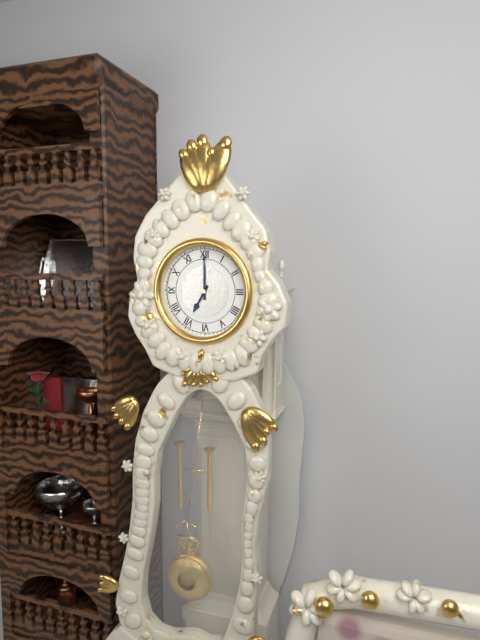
{"hour": 7, "minute": 0}
